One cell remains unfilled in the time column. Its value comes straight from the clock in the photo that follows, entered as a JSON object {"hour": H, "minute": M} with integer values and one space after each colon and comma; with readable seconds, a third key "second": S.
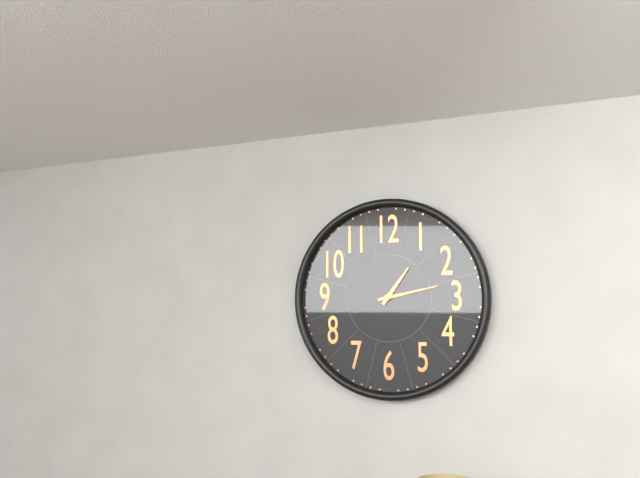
{"hour": 1, "minute": 13}
